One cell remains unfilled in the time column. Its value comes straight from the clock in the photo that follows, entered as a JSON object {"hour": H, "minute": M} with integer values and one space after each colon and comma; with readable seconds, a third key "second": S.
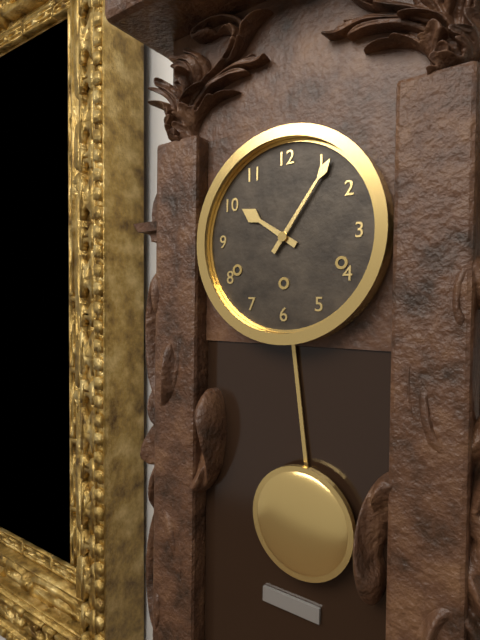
{"hour": 10, "minute": 6}
